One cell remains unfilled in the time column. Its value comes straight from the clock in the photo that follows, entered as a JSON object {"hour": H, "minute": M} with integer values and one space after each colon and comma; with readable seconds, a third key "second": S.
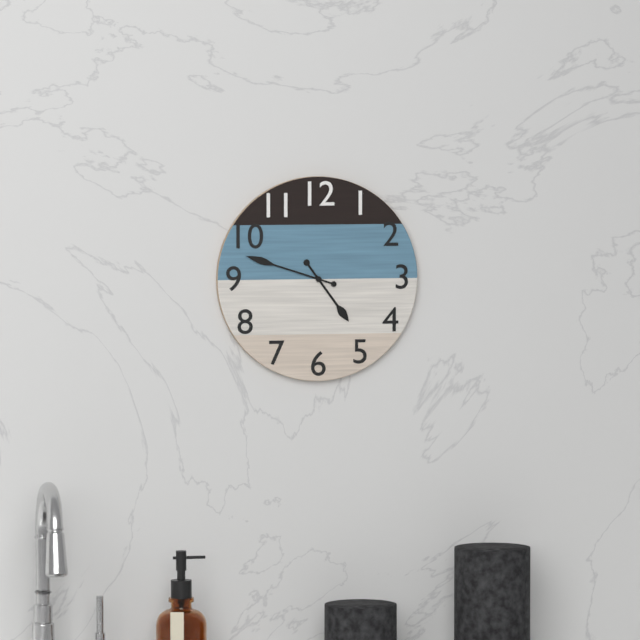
{"hour": 4, "minute": 48}
